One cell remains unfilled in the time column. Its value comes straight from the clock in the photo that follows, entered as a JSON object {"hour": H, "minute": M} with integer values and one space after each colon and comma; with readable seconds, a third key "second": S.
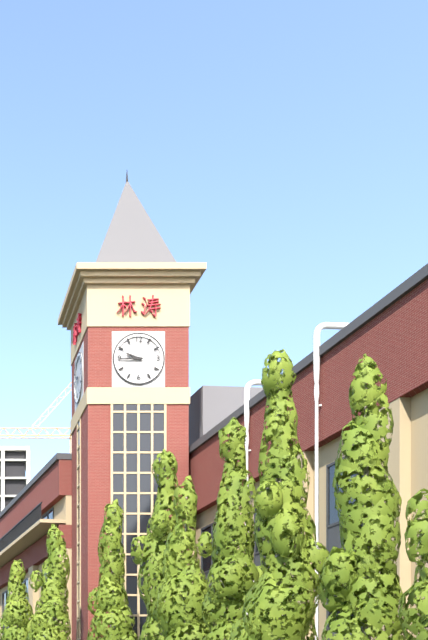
{"hour": 9, "minute": 45}
